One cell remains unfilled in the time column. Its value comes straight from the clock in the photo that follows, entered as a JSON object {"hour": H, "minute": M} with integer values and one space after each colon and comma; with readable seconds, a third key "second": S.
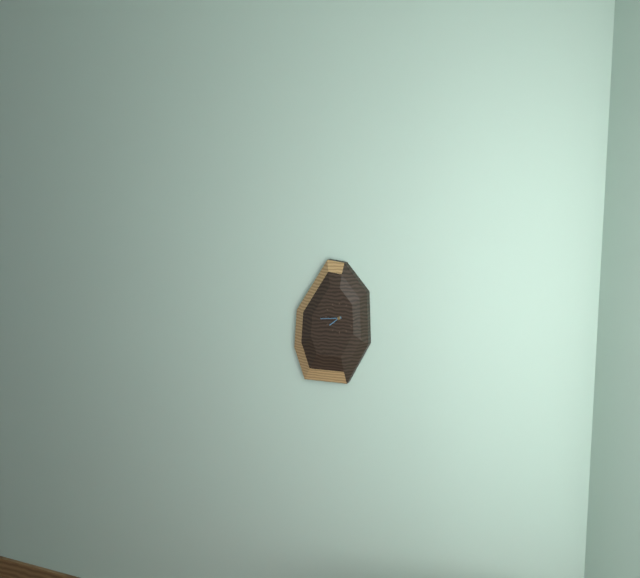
{"hour": 7, "minute": 44}
